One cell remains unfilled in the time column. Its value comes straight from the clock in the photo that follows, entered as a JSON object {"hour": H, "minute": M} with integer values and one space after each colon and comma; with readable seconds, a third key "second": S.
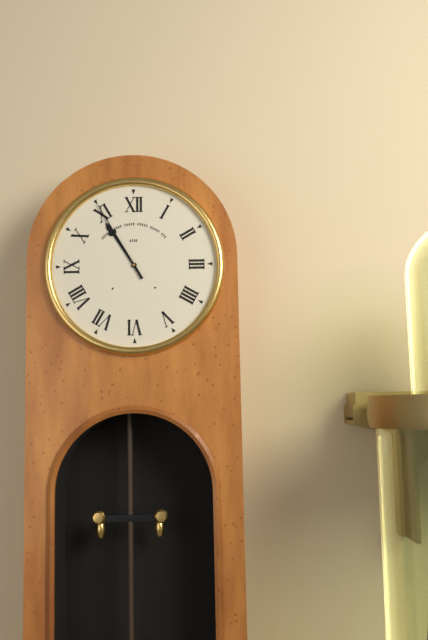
{"hour": 10, "minute": 55}
